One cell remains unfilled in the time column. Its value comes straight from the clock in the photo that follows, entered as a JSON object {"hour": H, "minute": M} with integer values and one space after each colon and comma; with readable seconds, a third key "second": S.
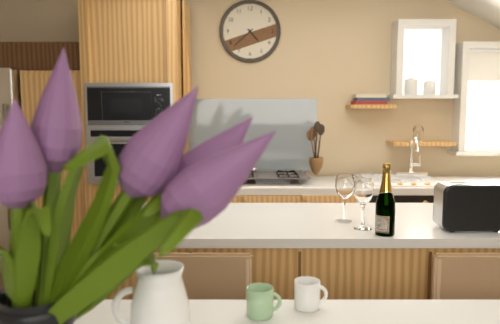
{"hour": 4, "minute": 38}
